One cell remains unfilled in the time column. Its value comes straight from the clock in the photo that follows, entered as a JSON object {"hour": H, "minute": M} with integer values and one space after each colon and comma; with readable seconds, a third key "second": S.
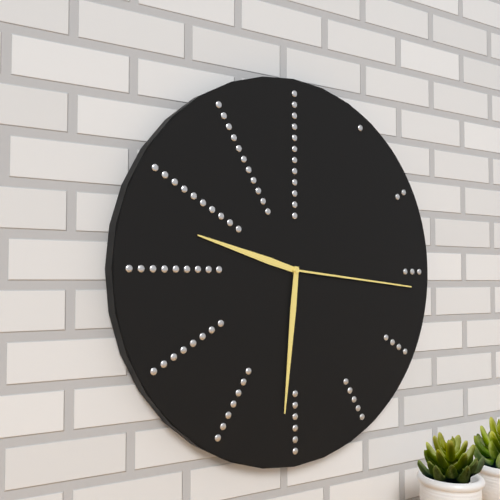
{"hour": 9, "minute": 31, "second": 16}
